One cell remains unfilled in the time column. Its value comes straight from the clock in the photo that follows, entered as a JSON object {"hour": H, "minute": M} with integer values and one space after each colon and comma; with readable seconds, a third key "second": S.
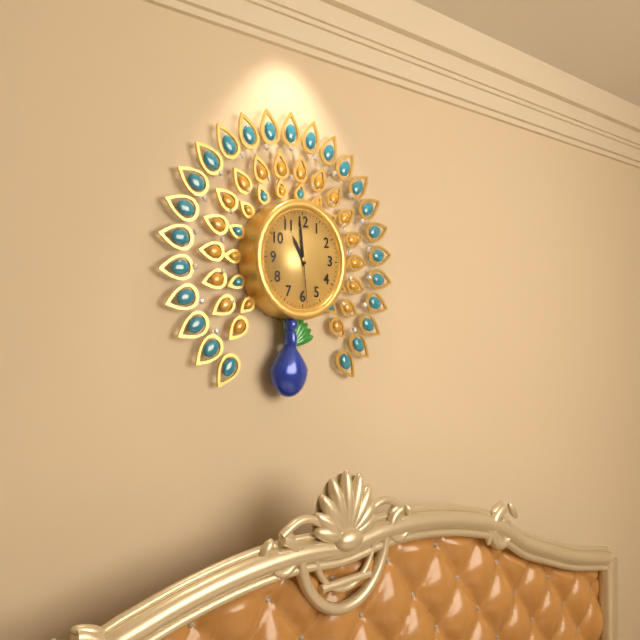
{"hour": 10, "minute": 59, "second": 29}
